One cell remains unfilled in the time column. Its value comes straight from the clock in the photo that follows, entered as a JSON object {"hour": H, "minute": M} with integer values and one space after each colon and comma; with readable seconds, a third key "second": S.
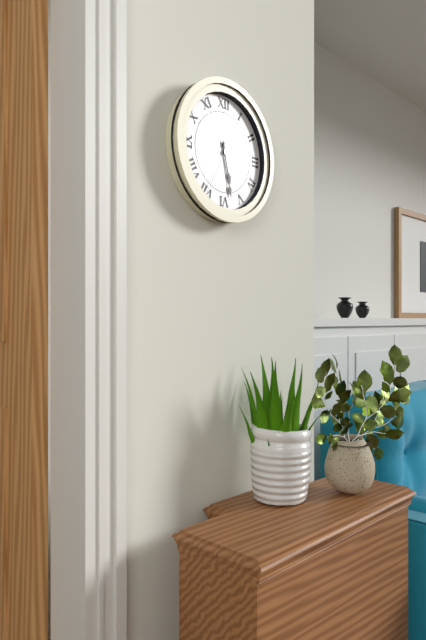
{"hour": 5, "minute": 28, "second": 35}
